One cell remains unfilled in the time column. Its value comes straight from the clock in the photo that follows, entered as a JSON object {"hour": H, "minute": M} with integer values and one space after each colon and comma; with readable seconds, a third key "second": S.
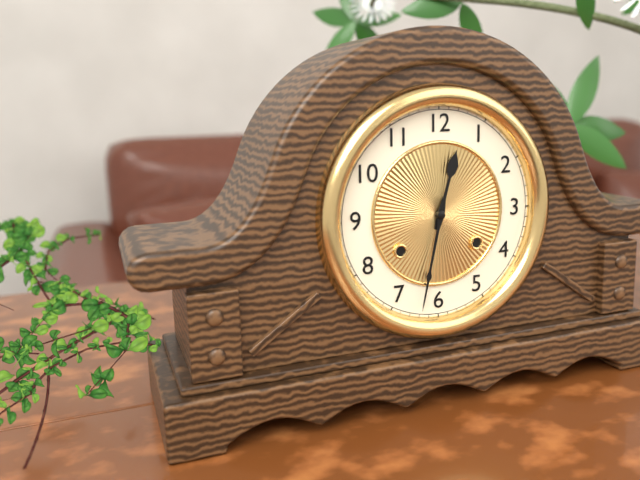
{"hour": 12, "minute": 32}
